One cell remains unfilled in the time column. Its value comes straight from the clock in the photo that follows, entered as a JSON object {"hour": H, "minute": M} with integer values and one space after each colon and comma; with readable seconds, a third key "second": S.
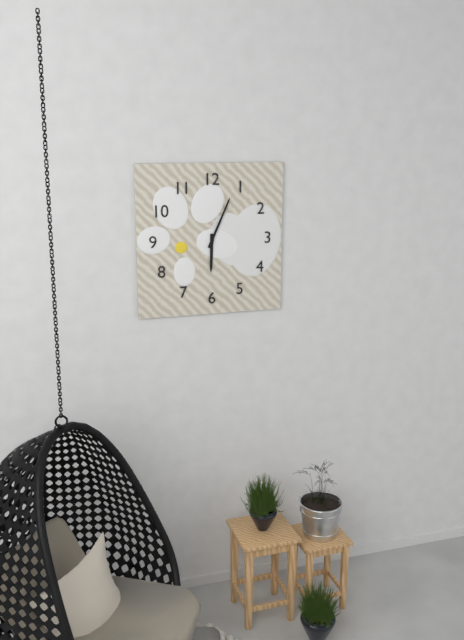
{"hour": 6, "minute": 4}
